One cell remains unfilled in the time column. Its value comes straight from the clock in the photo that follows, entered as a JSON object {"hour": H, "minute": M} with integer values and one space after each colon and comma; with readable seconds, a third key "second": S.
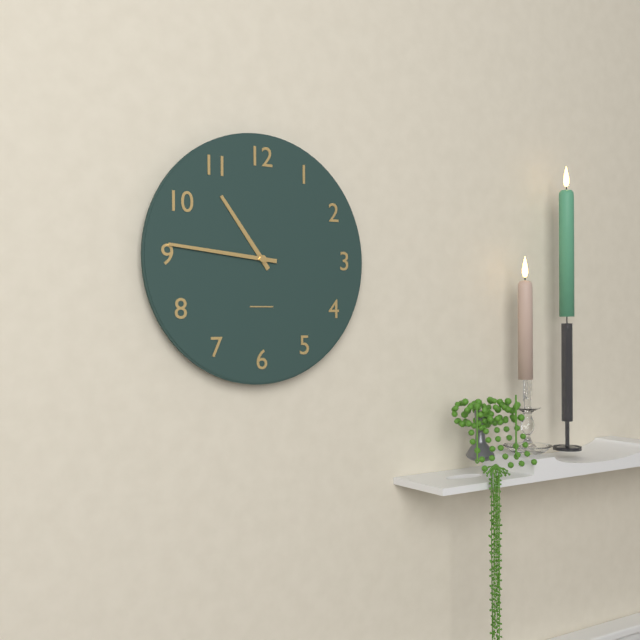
{"hour": 10, "minute": 46}
